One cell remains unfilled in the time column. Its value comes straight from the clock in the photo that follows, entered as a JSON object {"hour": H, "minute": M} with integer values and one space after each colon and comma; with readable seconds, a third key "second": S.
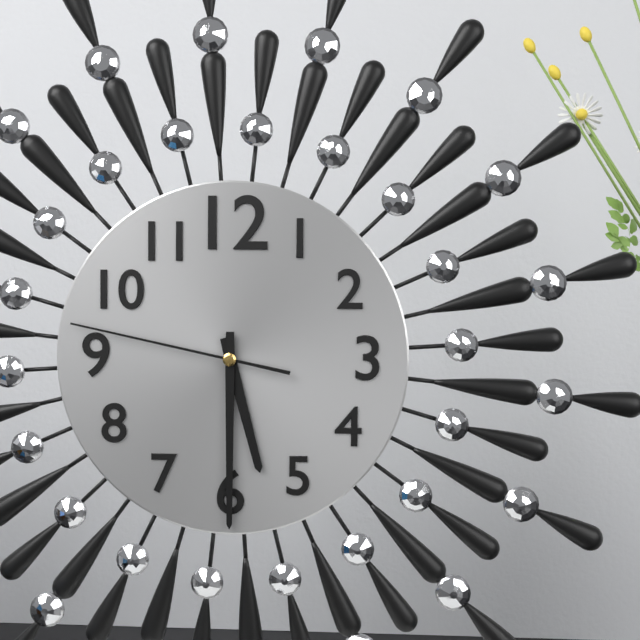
{"hour": 5, "minute": 30, "second": 47}
